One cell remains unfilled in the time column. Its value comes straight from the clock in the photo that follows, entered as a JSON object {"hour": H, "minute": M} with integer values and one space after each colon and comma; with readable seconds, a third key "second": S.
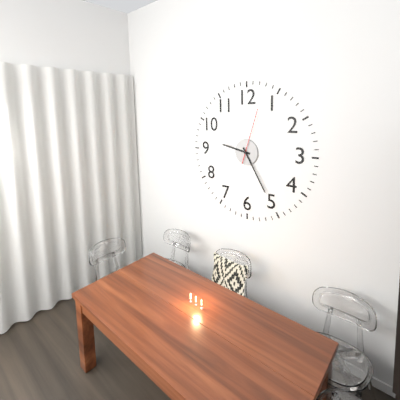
{"hour": 9, "minute": 25, "second": 3}
